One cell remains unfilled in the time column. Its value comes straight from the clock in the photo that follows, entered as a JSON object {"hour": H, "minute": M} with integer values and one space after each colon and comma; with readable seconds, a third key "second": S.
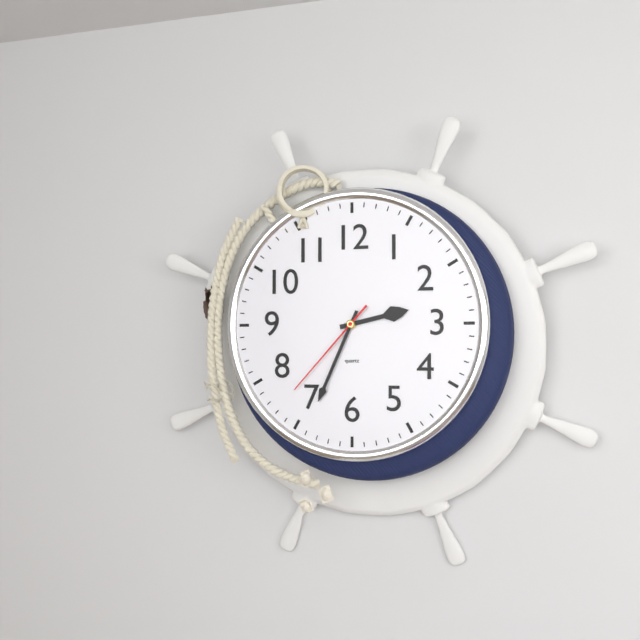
{"hour": 2, "minute": 34, "second": 37}
